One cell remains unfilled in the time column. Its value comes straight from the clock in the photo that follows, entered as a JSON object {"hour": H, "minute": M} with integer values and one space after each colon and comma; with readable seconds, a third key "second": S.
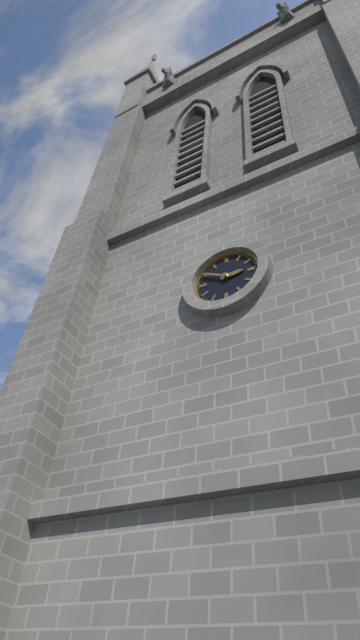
{"hour": 2, "minute": 50}
